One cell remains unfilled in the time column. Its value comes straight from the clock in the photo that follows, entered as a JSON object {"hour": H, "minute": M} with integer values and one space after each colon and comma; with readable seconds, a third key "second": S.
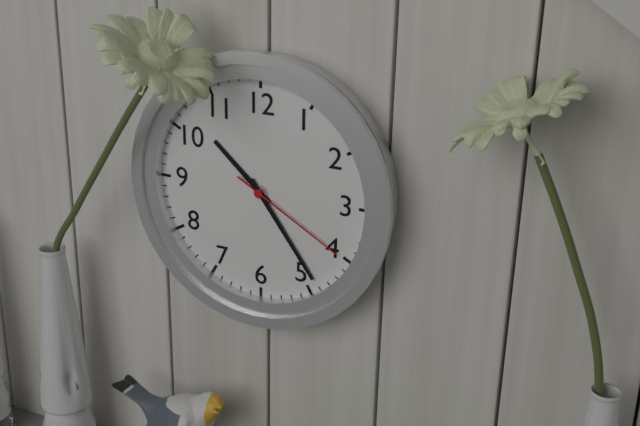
{"hour": 10, "minute": 24, "second": 20}
